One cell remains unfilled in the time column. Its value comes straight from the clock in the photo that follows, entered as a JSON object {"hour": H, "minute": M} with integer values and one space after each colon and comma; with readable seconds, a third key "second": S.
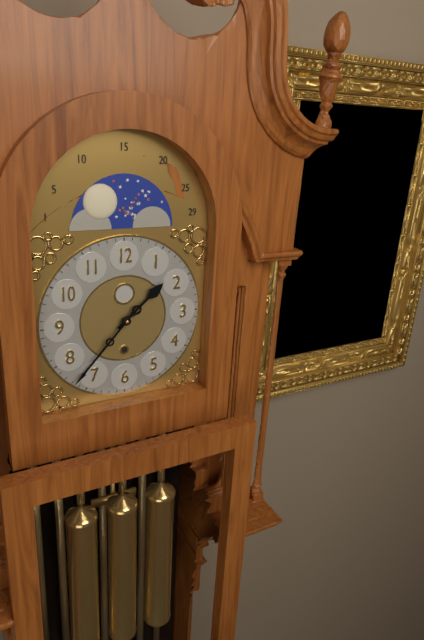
{"hour": 1, "minute": 37}
